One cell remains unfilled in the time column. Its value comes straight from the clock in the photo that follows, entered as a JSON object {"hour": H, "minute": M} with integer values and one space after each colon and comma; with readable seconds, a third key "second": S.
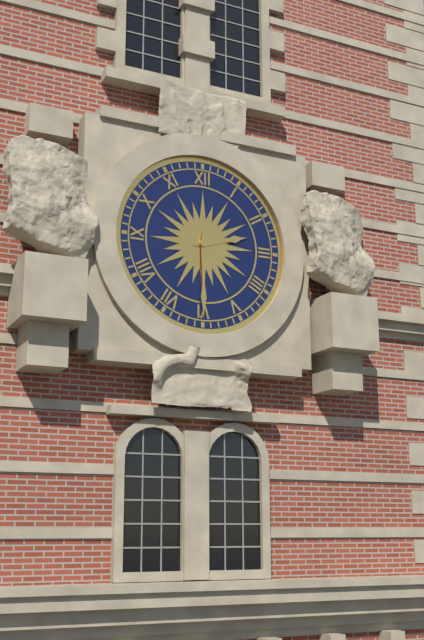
{"hour": 2, "minute": 30}
